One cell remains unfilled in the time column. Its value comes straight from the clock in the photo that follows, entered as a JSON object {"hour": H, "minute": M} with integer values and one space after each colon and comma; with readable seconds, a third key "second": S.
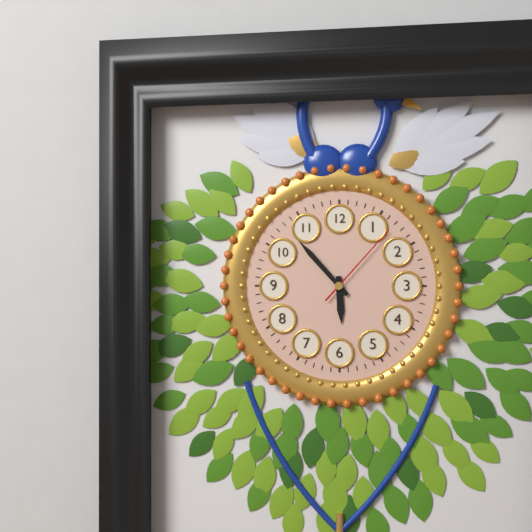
{"hour": 5, "minute": 53, "second": 7}
